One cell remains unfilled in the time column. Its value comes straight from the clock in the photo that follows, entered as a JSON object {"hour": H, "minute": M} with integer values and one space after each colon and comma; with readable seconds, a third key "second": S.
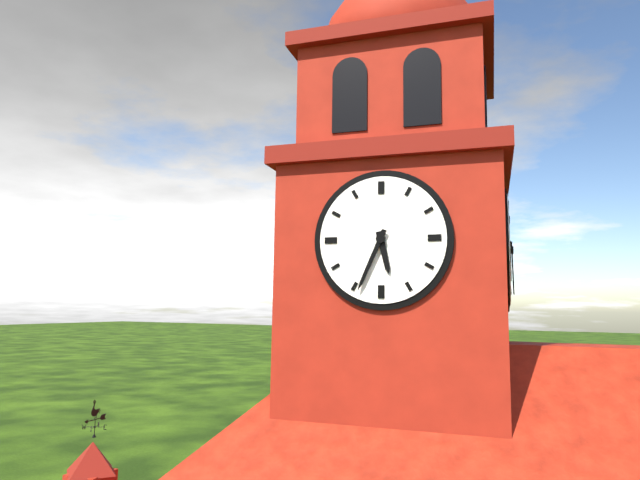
{"hour": 5, "minute": 34}
